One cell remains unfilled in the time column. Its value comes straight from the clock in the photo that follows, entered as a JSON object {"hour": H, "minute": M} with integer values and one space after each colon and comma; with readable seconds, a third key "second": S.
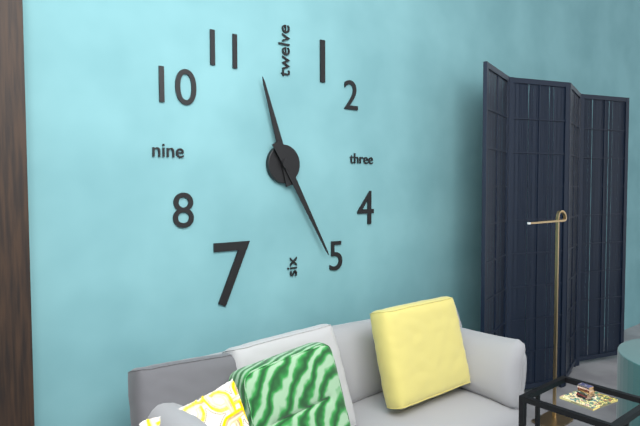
{"hour": 11, "minute": 25}
